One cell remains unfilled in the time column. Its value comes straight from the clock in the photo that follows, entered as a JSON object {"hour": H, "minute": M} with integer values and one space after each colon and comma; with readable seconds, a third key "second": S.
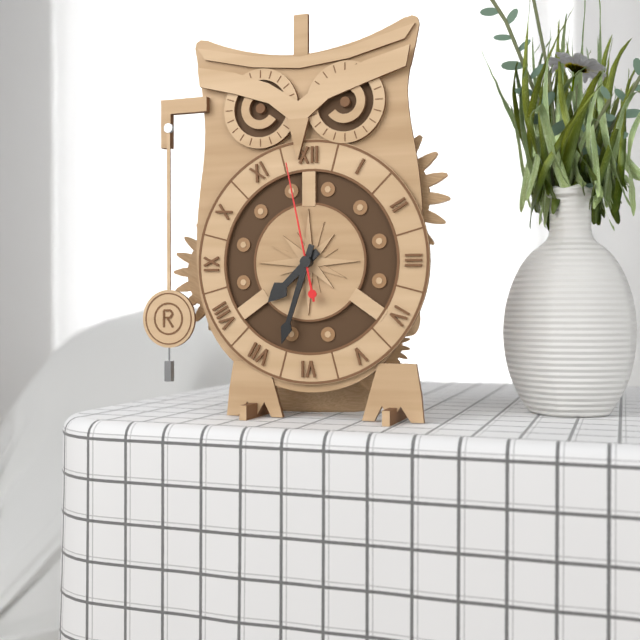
{"hour": 7, "minute": 33, "second": 58}
